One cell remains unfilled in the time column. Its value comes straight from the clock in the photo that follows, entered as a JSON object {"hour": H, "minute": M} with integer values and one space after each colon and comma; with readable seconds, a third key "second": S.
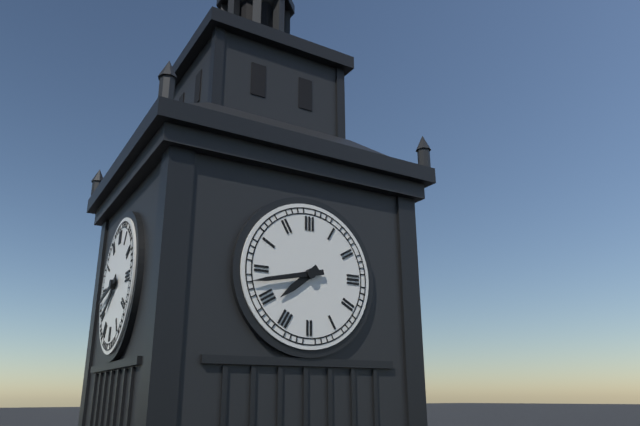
{"hour": 7, "minute": 43}
